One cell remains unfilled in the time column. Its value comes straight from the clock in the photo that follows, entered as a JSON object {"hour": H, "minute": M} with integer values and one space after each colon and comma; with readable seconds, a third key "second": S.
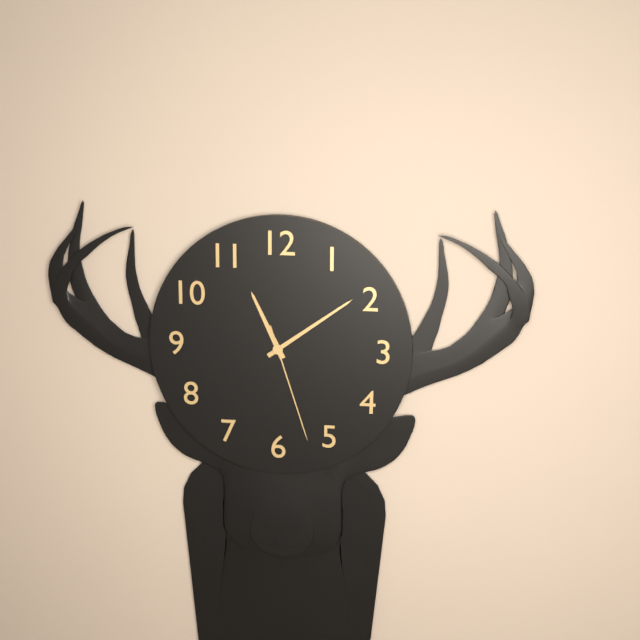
{"hour": 11, "minute": 9, "second": 27}
